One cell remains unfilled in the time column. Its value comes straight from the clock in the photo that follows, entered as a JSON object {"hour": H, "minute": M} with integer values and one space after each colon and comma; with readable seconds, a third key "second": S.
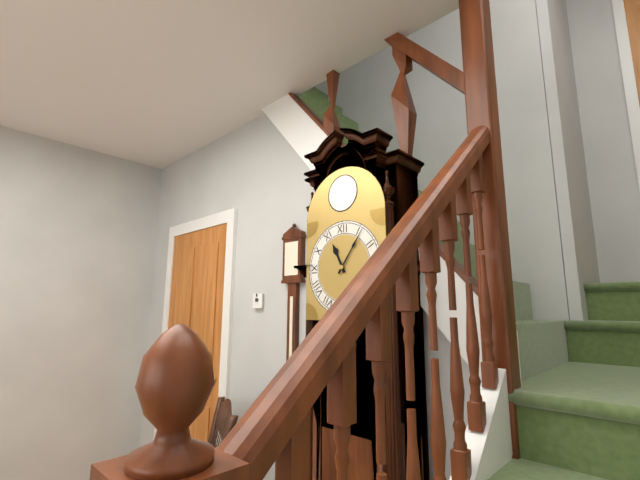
{"hour": 11, "minute": 6}
